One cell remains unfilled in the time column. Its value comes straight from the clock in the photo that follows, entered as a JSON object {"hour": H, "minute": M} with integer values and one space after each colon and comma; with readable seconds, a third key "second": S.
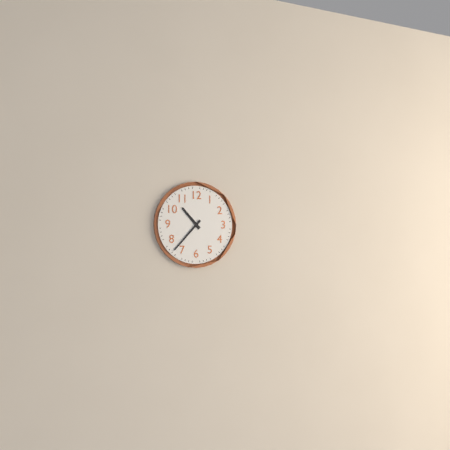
{"hour": 10, "minute": 37}
